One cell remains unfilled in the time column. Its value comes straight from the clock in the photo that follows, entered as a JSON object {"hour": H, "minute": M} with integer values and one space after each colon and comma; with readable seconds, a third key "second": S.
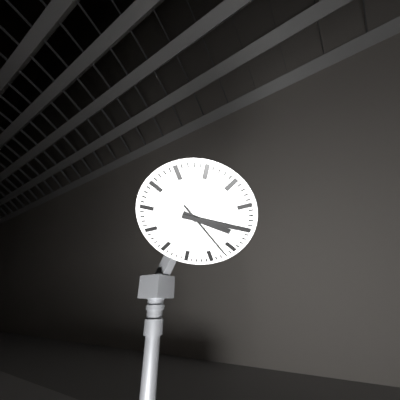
{"hour": 4, "minute": 20, "second": 27}
